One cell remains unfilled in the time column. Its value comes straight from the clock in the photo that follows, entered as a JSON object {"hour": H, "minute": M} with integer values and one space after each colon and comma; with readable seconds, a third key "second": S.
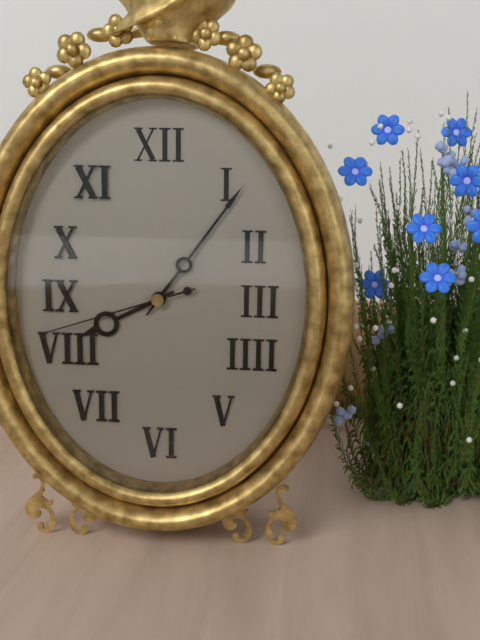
{"hour": 8, "minute": 6, "second": 42}
